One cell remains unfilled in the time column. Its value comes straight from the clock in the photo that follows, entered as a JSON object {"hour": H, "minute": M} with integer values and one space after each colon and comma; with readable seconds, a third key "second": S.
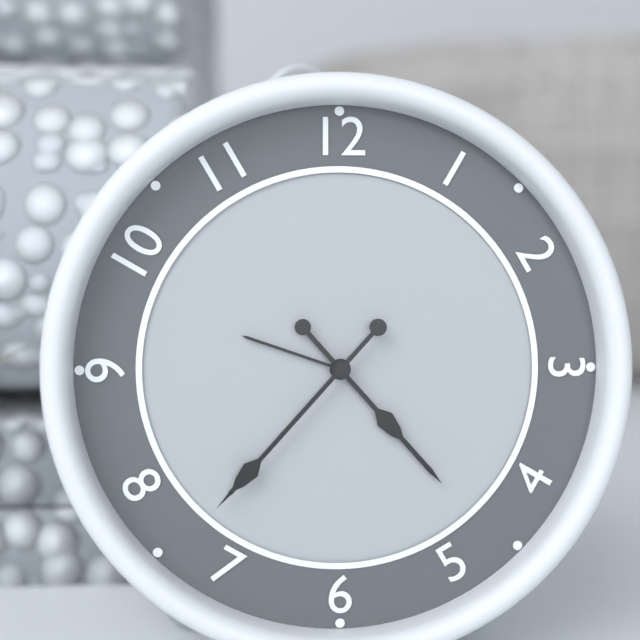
{"hour": 4, "minute": 37}
